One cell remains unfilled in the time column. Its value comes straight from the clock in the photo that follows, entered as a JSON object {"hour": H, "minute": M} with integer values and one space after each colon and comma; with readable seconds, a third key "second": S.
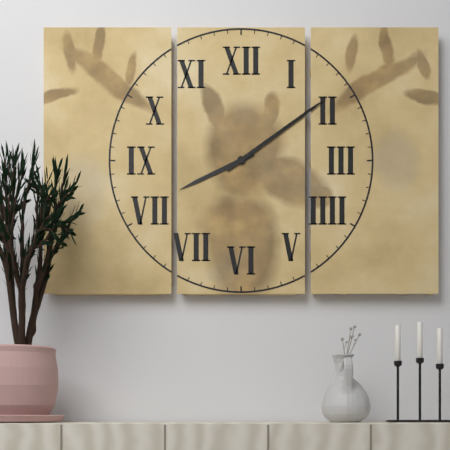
{"hour": 8, "minute": 9}
